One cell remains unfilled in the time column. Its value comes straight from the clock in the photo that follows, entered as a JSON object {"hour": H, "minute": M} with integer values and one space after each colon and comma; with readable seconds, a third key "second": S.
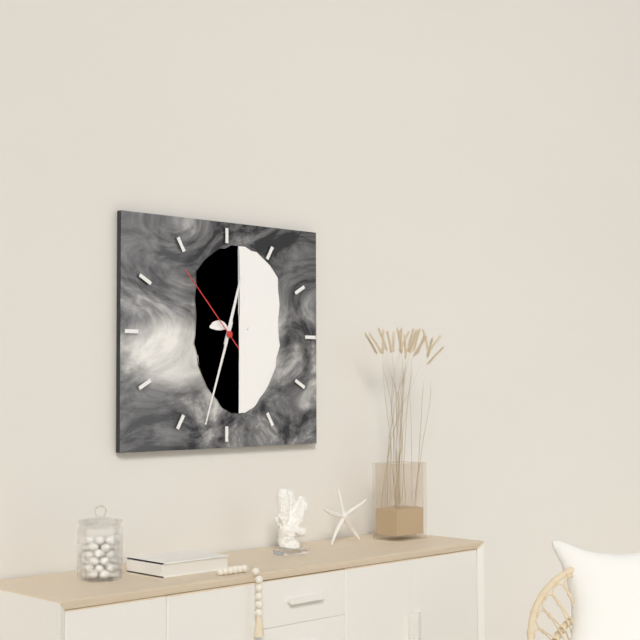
{"hour": 12, "minute": 33, "second": 53}
